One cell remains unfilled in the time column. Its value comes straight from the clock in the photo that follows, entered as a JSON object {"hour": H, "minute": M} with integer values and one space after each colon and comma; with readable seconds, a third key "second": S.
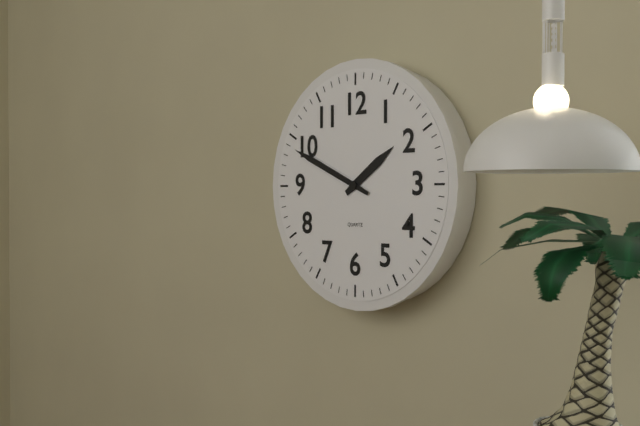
{"hour": 1, "minute": 49}
